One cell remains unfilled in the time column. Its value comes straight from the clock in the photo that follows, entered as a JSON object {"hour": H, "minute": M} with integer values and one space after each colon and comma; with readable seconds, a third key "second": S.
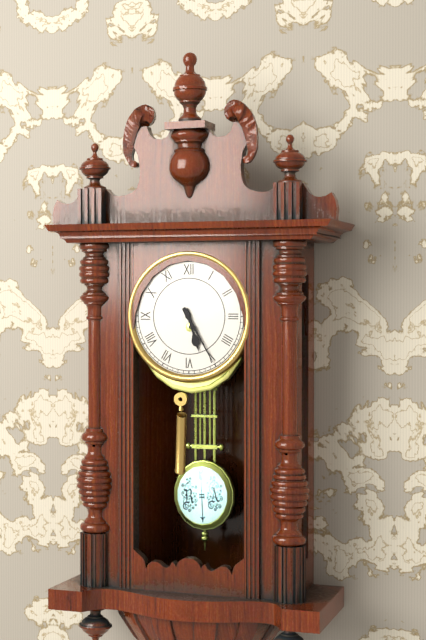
{"hour": 5, "minute": 25}
